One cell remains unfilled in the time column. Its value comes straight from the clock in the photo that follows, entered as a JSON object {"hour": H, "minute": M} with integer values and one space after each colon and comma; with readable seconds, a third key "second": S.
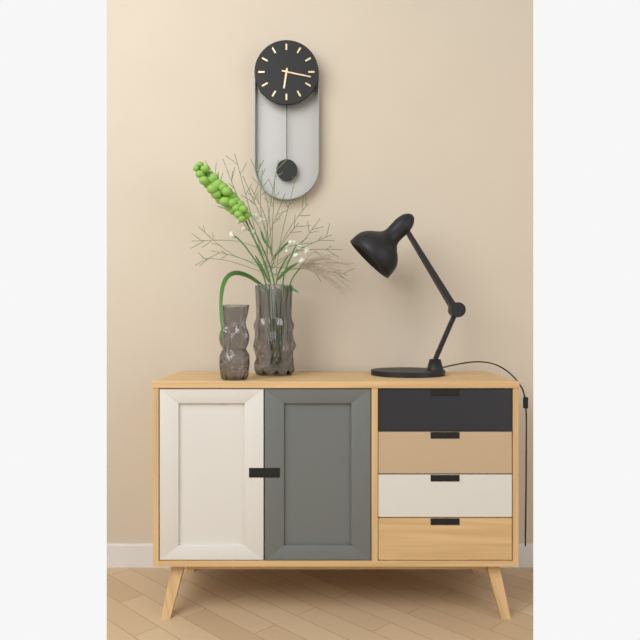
{"hour": 6, "minute": 17}
